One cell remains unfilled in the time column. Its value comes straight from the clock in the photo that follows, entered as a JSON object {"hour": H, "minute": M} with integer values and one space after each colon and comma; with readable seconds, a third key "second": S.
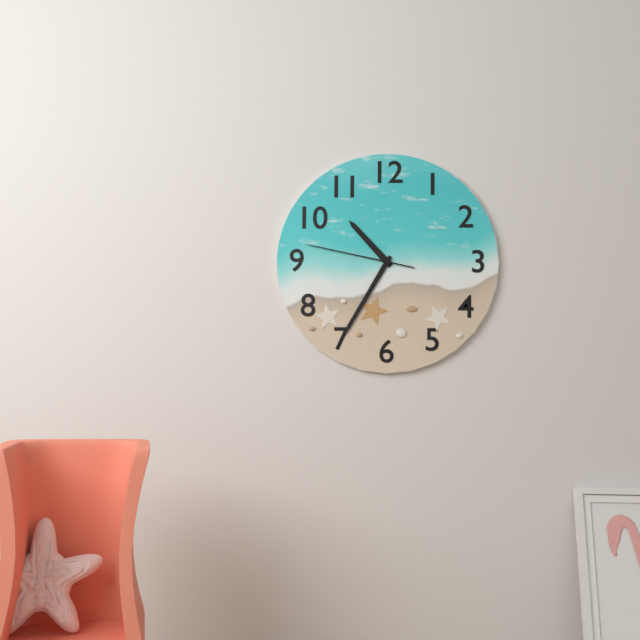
{"hour": 10, "minute": 35, "second": 47}
